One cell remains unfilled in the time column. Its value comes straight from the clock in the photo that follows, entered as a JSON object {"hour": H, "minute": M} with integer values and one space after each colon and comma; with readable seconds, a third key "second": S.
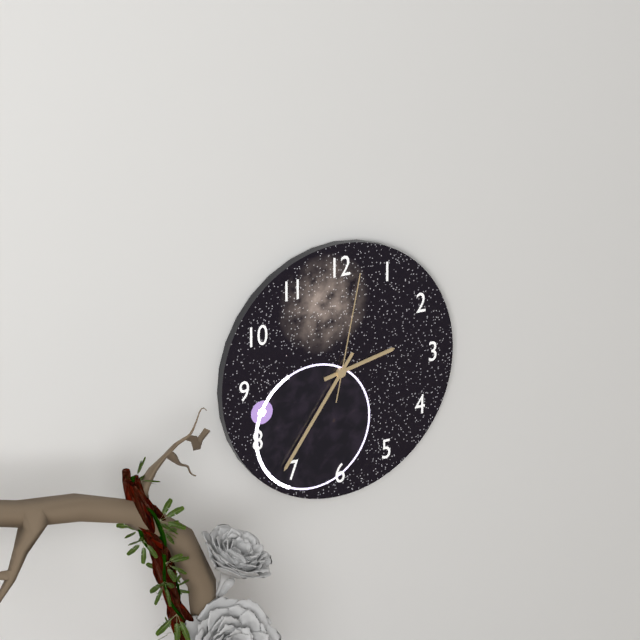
{"hour": 2, "minute": 36, "second": 2}
